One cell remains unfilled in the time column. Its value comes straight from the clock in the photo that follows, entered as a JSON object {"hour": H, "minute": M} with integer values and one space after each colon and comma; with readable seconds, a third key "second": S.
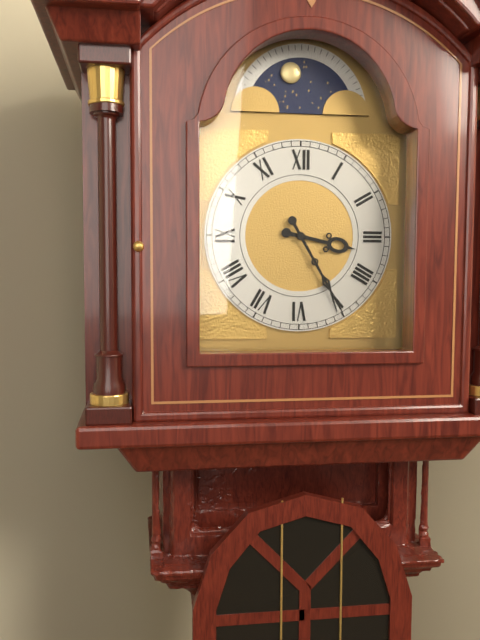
{"hour": 3, "minute": 25}
